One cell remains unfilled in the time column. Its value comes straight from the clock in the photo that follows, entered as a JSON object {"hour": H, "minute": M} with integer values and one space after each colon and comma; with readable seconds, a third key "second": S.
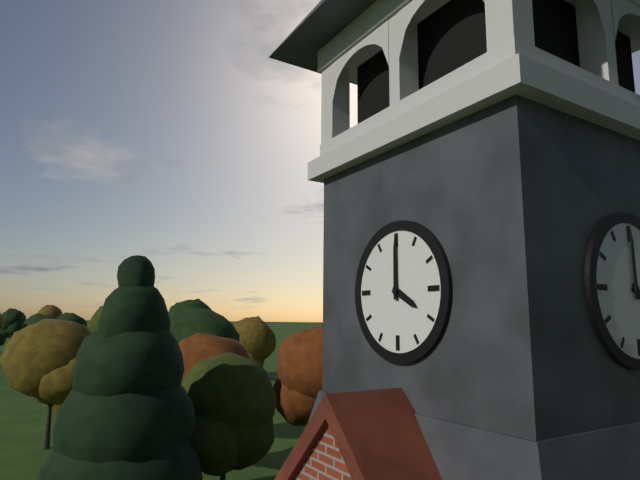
{"hour": 4, "minute": 0}
